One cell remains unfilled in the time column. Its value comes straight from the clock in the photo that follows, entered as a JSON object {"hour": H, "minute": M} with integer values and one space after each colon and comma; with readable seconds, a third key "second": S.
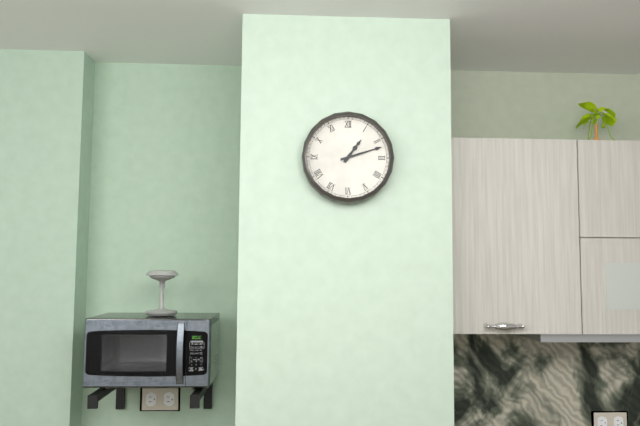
{"hour": 1, "minute": 12}
